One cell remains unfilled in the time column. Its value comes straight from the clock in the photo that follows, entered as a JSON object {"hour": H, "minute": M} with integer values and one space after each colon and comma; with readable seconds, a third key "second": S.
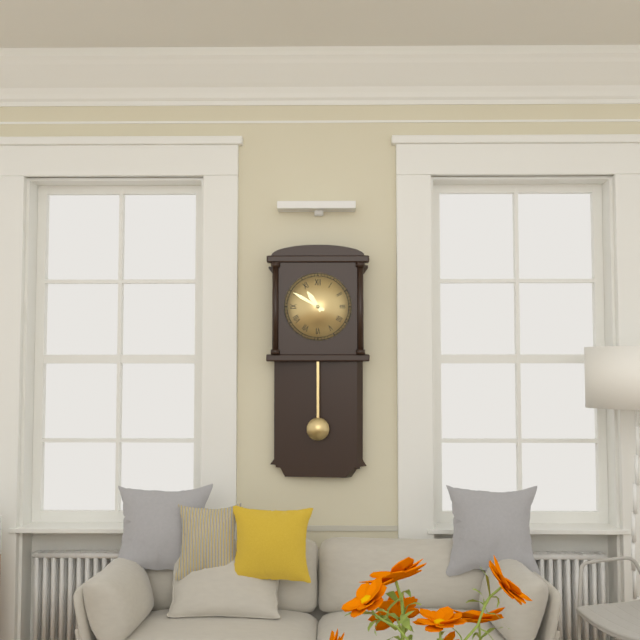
{"hour": 10, "minute": 50}
